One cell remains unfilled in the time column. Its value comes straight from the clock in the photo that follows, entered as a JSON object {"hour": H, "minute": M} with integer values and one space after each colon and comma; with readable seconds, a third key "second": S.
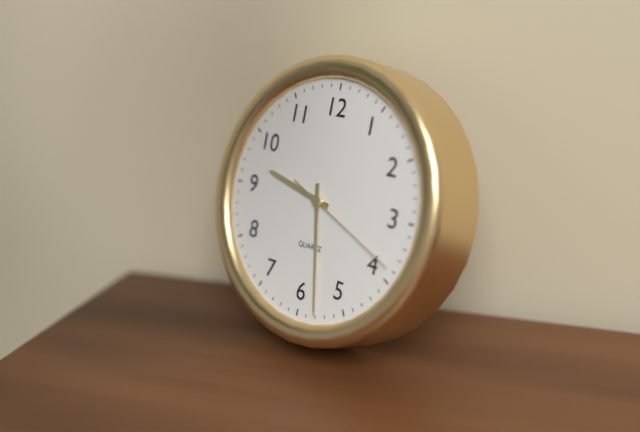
{"hour": 9, "minute": 28, "second": 19}
